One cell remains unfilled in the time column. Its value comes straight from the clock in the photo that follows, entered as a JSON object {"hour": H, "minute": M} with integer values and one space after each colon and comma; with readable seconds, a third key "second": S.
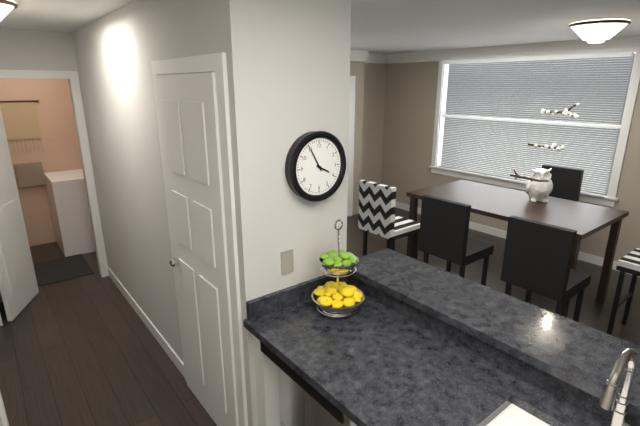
{"hour": 3, "minute": 55}
